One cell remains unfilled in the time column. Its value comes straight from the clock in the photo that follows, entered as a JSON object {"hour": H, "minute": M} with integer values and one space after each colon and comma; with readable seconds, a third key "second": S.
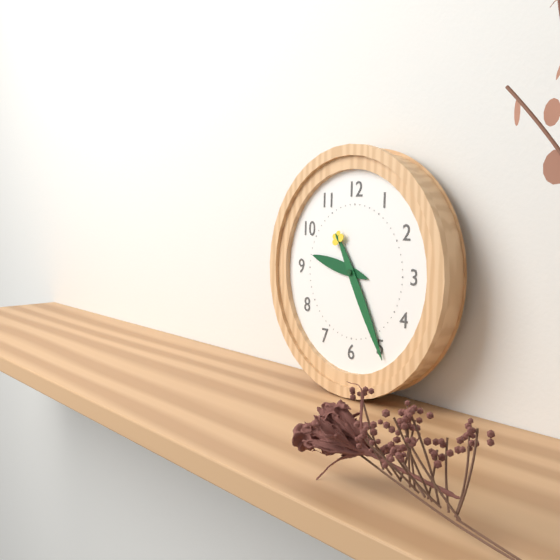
{"hour": 9, "minute": 25}
